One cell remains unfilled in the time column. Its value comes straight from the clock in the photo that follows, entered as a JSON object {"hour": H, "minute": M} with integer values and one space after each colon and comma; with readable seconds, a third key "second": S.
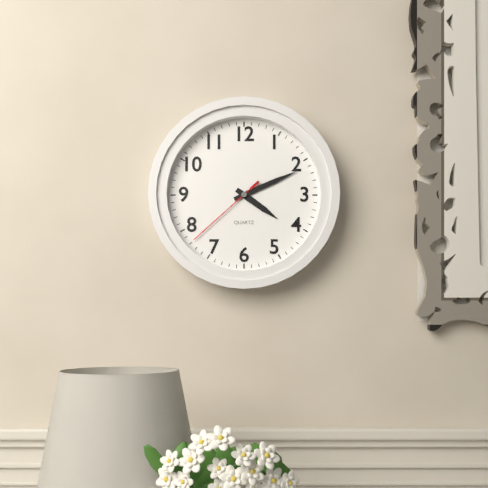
{"hour": 4, "minute": 11, "second": 38}
